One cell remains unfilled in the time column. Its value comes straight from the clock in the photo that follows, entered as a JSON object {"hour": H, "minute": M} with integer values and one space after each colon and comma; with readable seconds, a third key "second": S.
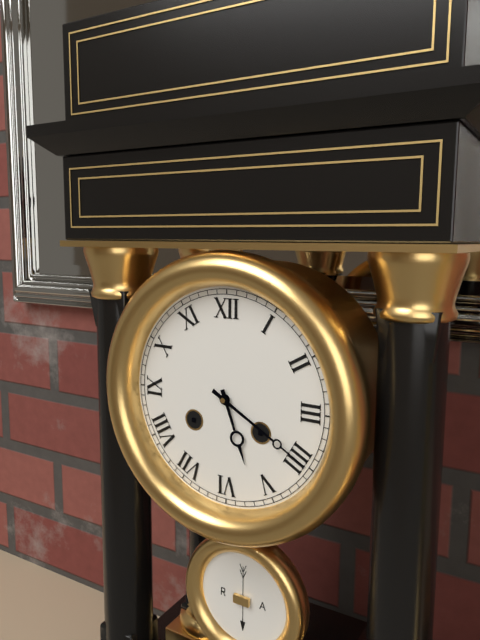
{"hour": 5, "minute": 20}
